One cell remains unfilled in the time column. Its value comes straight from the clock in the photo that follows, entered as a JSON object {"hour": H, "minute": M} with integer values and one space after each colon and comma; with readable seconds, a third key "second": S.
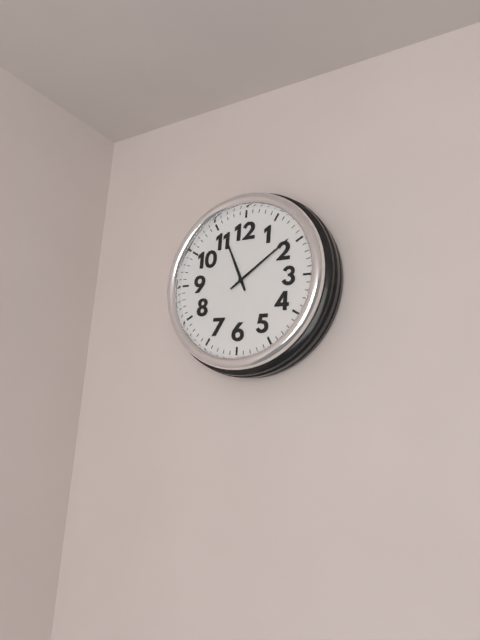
{"hour": 11, "minute": 9}
